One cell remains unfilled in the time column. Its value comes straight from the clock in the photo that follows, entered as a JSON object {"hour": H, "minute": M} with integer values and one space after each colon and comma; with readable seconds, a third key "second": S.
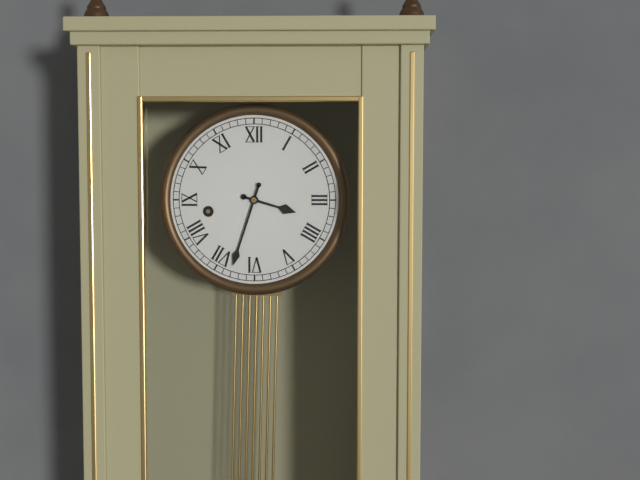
{"hour": 3, "minute": 33}
